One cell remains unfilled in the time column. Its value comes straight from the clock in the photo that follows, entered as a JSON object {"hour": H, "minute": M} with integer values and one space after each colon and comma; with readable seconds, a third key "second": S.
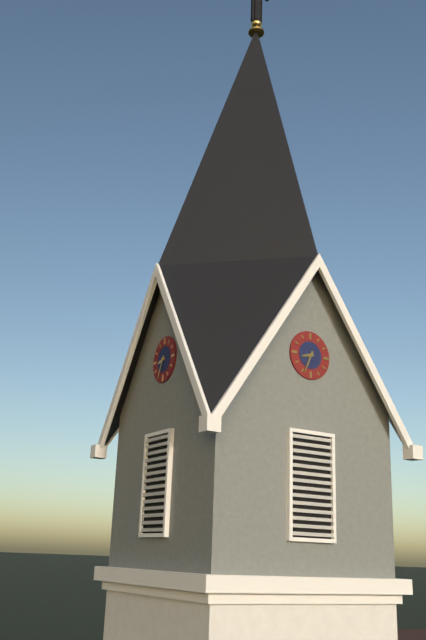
{"hour": 8, "minute": 34}
